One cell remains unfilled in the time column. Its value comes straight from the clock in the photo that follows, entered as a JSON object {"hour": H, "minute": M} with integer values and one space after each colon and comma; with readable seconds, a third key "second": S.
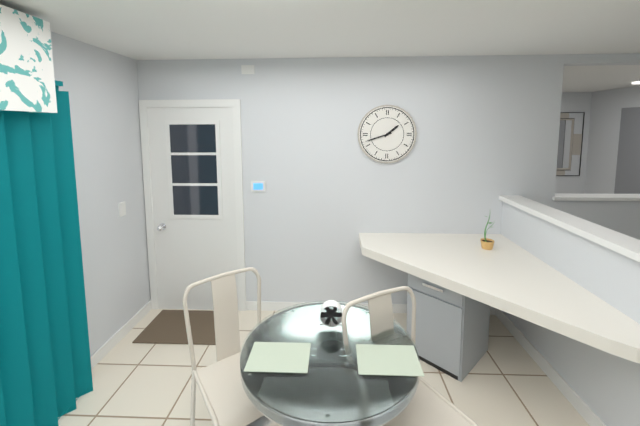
{"hour": 1, "minute": 42}
